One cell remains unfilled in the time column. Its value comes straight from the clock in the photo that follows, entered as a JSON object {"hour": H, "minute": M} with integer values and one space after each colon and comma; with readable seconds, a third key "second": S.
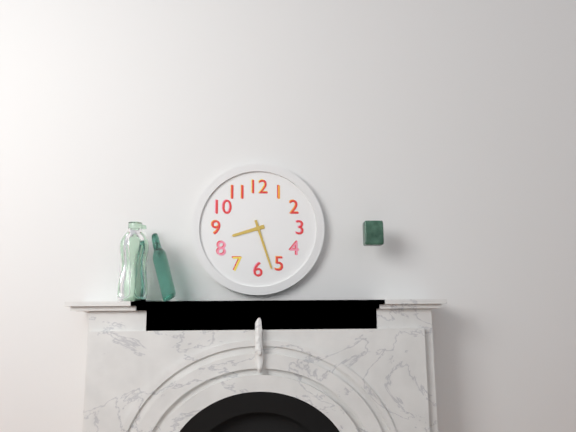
{"hour": 8, "minute": 27}
